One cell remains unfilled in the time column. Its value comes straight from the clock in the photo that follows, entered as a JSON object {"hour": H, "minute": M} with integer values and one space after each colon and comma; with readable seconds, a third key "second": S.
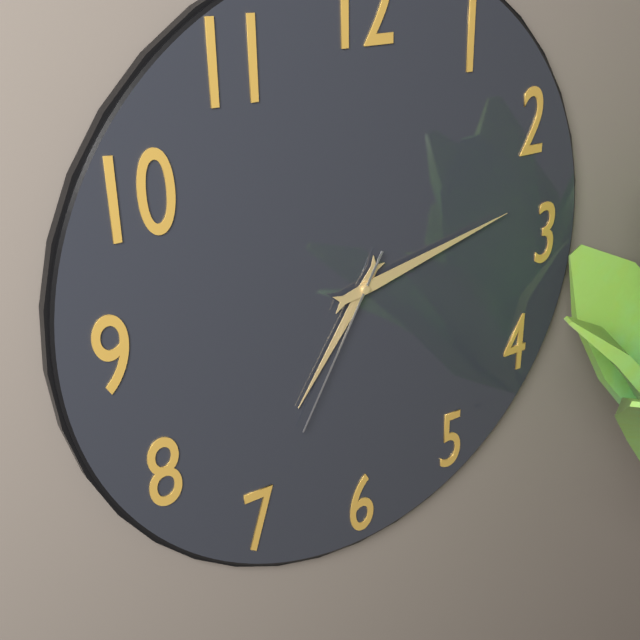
{"hour": 7, "minute": 13, "second": 35}
